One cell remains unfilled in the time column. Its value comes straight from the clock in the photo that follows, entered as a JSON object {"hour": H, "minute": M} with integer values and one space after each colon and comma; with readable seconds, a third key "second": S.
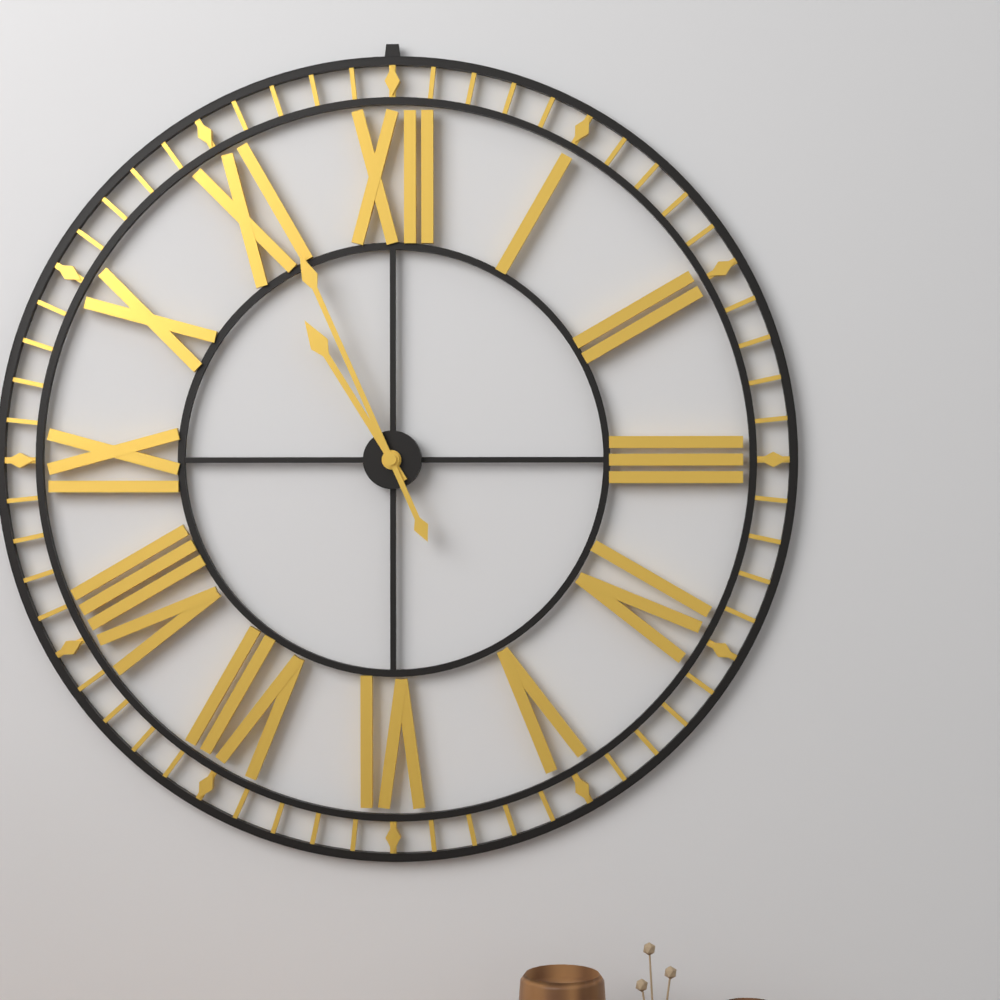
{"hour": 10, "minute": 56}
